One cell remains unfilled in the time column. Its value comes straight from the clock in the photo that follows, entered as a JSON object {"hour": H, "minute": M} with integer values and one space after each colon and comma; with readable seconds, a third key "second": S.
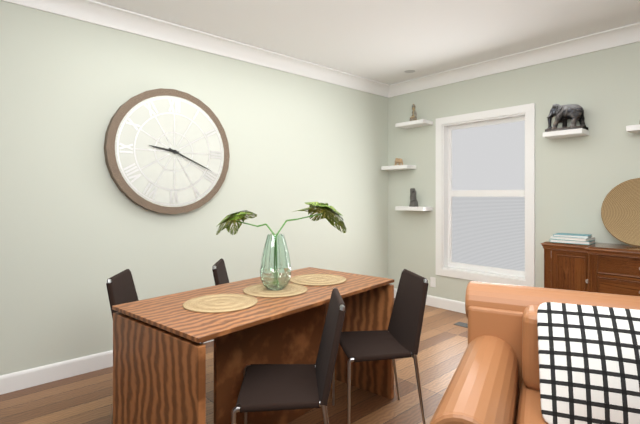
{"hour": 9, "minute": 19}
